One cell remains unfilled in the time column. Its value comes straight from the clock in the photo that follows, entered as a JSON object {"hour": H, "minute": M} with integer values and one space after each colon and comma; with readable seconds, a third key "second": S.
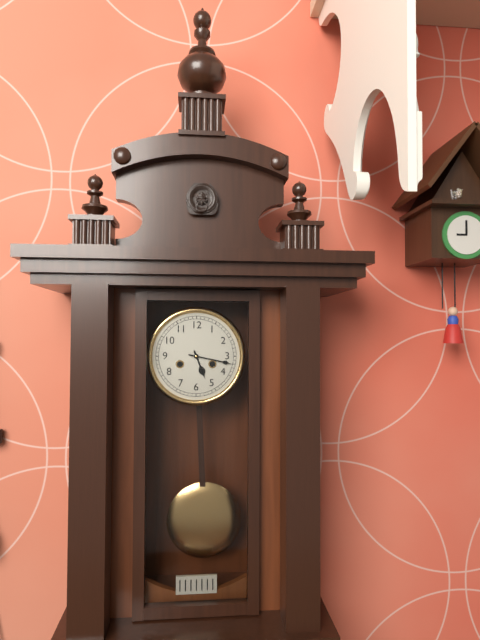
{"hour": 5, "minute": 17}
